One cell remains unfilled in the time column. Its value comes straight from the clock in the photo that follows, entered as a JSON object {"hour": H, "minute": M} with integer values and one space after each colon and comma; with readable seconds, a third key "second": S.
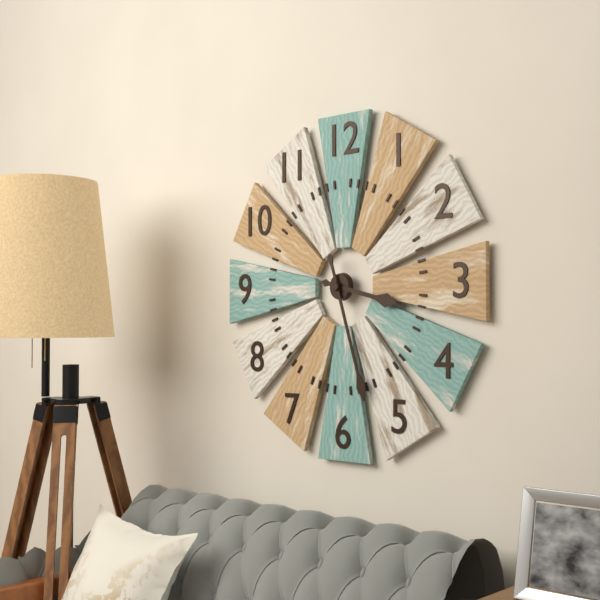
{"hour": 3, "minute": 27}
